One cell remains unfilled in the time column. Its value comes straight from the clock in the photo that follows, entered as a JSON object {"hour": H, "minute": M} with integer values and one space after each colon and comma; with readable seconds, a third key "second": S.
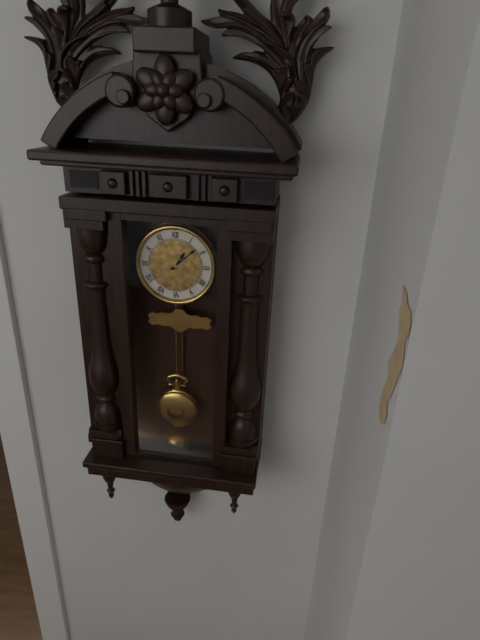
{"hour": 1, "minute": 8}
